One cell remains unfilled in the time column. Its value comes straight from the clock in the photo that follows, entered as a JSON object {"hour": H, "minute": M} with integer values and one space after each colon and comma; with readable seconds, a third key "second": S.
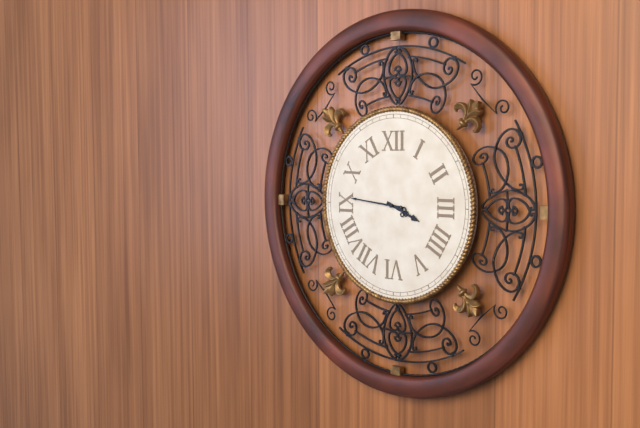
{"hour": 3, "minute": 46}
